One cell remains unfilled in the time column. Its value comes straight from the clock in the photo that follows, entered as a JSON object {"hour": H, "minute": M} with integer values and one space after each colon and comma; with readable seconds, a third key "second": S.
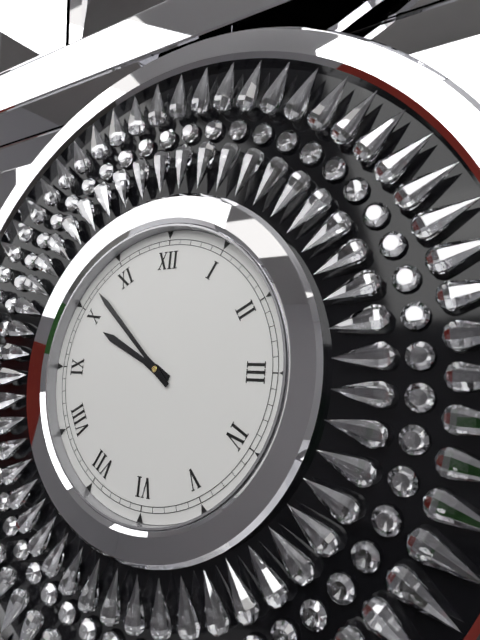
{"hour": 9, "minute": 52}
